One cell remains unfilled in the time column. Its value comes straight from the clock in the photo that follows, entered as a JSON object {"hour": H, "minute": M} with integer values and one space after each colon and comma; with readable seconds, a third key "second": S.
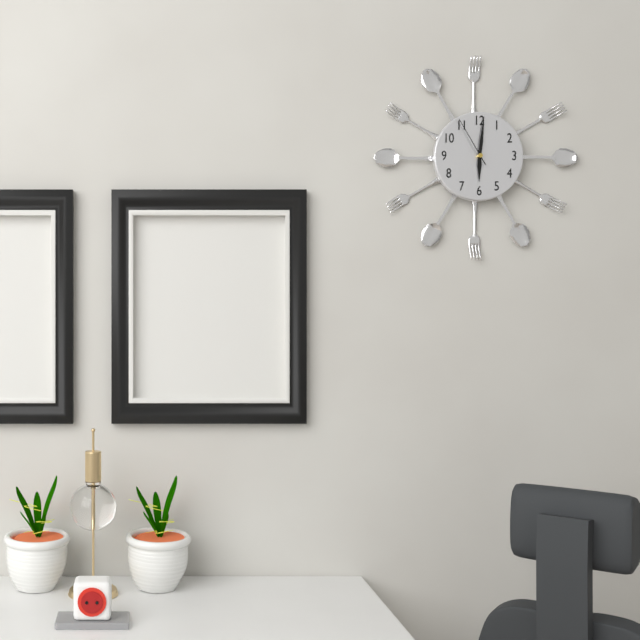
{"hour": 6, "minute": 1, "second": 55}
